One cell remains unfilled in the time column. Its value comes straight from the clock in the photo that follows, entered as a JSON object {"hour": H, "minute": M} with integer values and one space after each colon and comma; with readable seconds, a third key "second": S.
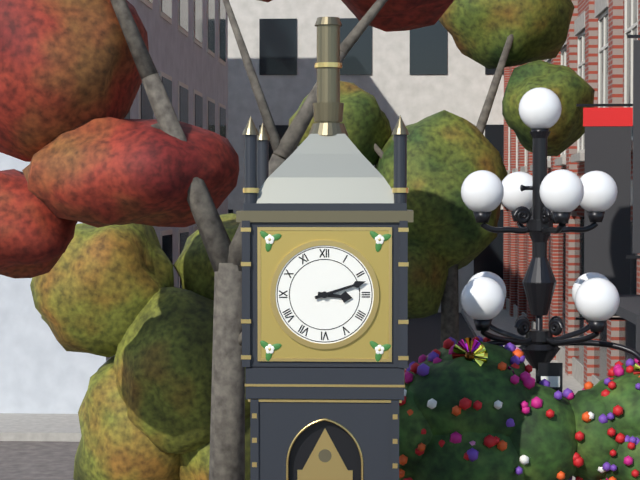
{"hour": 3, "minute": 12}
